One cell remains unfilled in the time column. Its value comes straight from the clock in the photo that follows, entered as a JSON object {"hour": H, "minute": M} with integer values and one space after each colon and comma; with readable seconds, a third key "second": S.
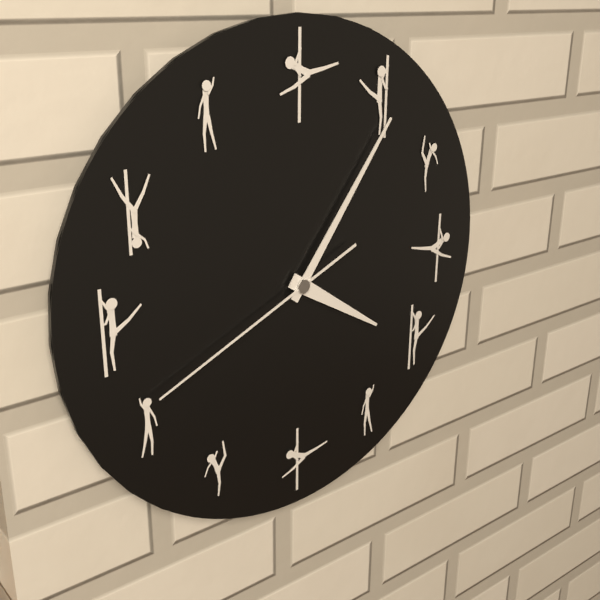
{"hour": 4, "minute": 6, "second": 41}
